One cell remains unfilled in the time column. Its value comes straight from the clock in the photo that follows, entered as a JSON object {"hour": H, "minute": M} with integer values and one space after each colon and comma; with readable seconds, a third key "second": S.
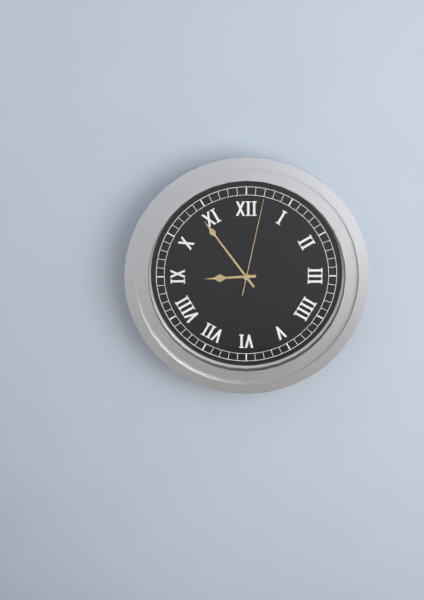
{"hour": 8, "minute": 54, "second": 2}
